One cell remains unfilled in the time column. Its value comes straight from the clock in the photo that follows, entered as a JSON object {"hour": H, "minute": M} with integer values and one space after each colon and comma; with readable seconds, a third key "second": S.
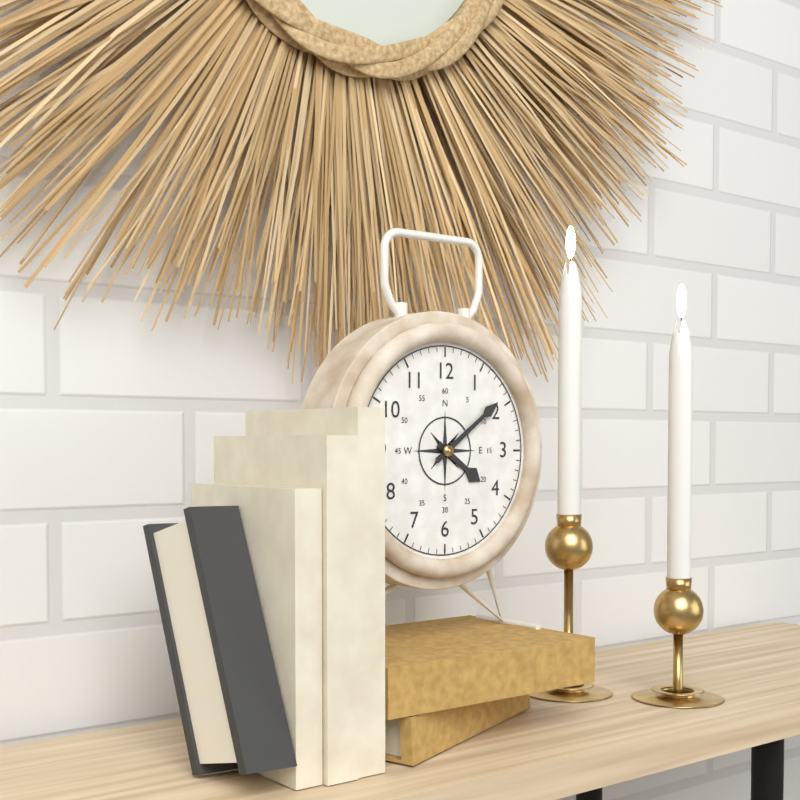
{"hour": 4, "minute": 9}
